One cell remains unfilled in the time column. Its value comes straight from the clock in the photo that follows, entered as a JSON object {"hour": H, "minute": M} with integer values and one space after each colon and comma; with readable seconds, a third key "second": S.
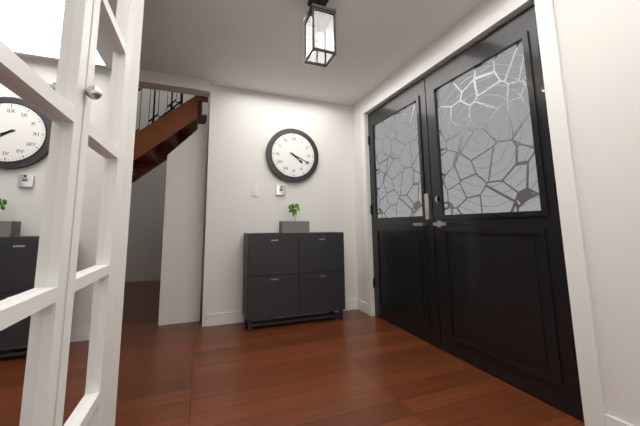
{"hour": 4, "minute": 19}
